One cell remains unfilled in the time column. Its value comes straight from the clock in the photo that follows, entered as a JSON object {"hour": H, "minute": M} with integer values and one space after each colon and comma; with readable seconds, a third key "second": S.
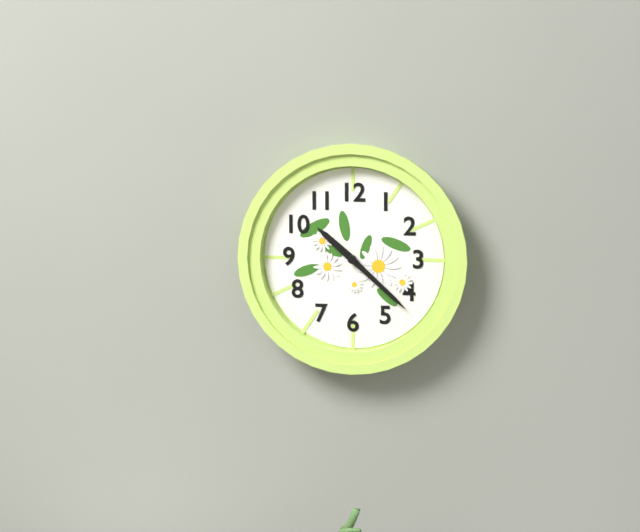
{"hour": 10, "minute": 22}
